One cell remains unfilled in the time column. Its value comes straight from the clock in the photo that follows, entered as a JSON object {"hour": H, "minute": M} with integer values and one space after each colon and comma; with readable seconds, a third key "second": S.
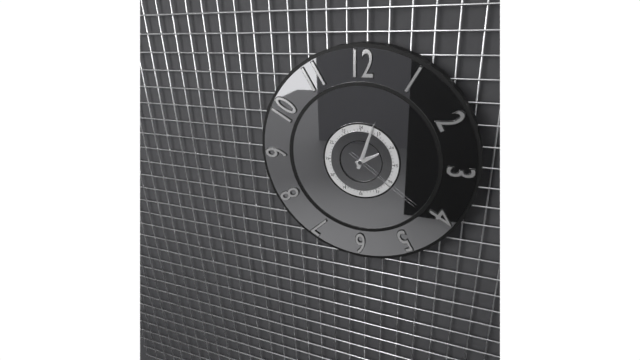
{"hour": 2, "minute": 3, "second": 21}
